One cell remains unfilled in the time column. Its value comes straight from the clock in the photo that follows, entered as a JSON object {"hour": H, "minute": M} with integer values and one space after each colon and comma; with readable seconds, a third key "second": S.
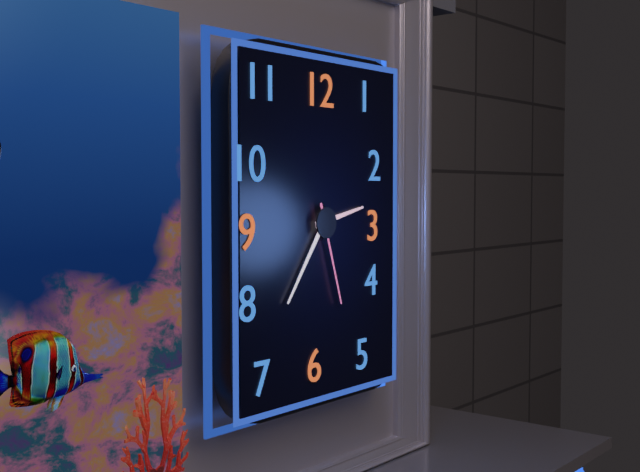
{"hour": 2, "minute": 36, "second": 27}
